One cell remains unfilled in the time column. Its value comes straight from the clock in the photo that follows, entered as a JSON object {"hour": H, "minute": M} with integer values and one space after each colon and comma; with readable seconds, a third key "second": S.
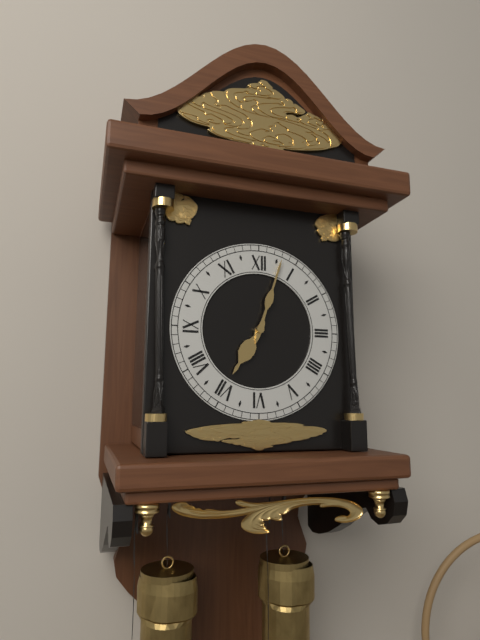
{"hour": 7, "minute": 3}
